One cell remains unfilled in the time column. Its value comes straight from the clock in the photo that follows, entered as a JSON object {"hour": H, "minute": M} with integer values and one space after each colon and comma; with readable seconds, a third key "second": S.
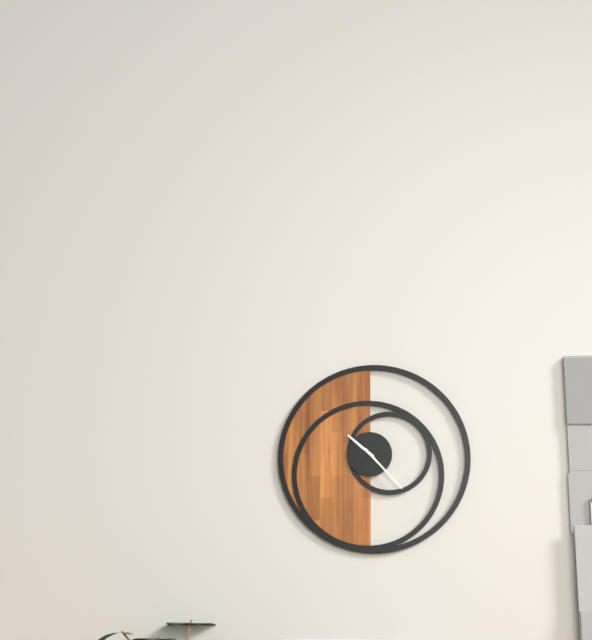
{"hour": 10, "minute": 23}
